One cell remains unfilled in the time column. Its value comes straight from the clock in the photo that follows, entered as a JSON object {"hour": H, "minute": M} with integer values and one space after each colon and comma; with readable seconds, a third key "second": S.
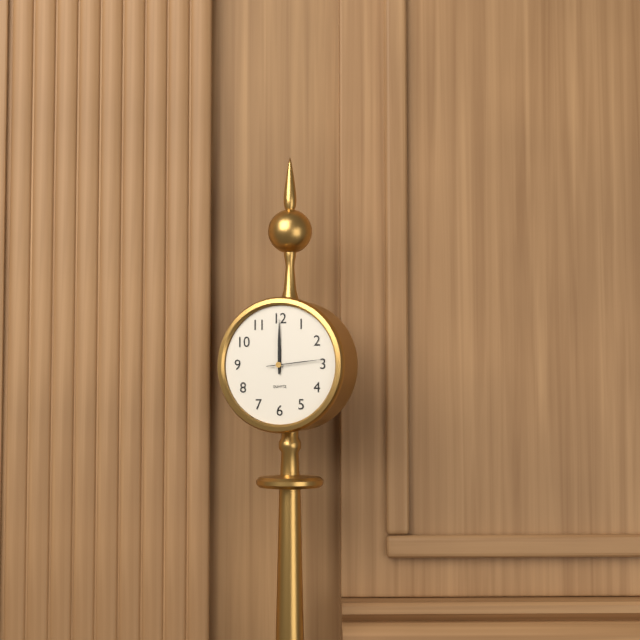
{"hour": 12, "minute": 0, "second": 14}
